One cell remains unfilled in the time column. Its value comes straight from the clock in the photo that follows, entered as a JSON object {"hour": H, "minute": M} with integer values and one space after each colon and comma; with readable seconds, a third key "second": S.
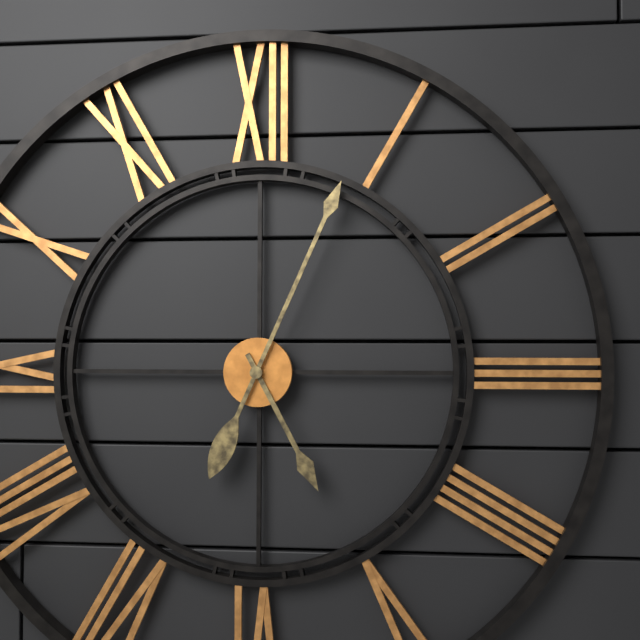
{"hour": 5, "minute": 4}
